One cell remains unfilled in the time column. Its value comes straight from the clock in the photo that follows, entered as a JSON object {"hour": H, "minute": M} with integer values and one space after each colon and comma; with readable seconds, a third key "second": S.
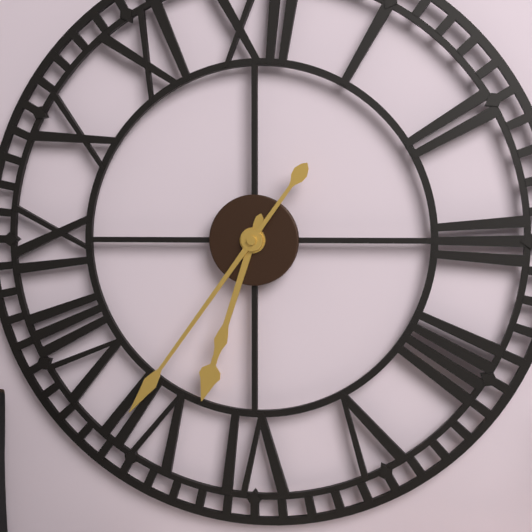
{"hour": 6, "minute": 36}
